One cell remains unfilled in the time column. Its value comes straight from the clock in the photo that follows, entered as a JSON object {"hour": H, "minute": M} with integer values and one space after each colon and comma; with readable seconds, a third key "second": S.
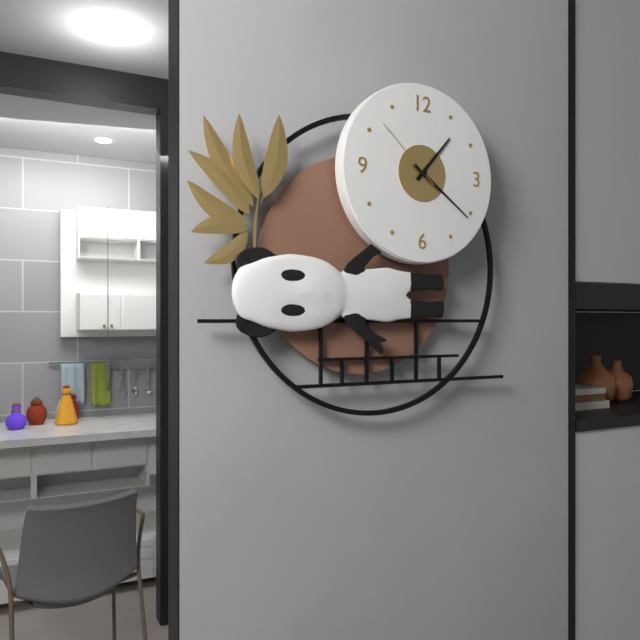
{"hour": 1, "minute": 21, "second": 52}
